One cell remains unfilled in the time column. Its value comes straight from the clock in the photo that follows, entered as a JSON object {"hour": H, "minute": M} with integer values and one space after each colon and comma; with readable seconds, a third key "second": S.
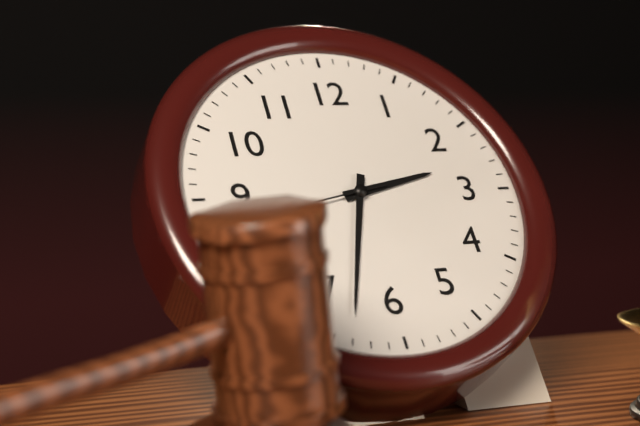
{"hour": 2, "minute": 33}
